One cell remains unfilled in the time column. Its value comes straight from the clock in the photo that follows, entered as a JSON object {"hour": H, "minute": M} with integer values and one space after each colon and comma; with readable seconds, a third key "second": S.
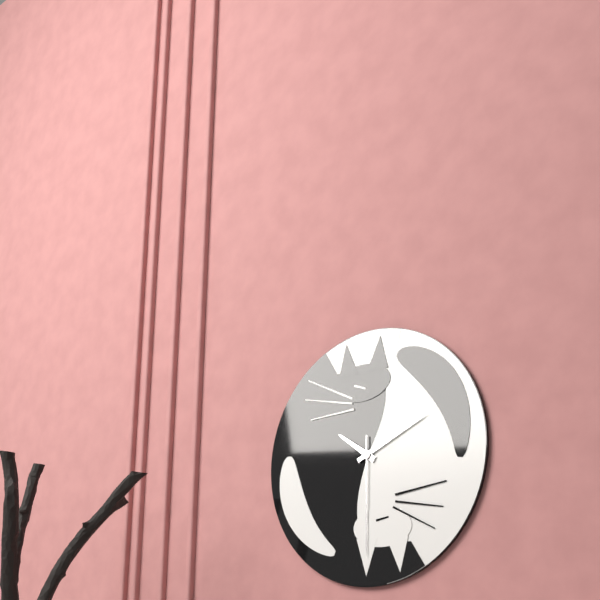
{"hour": 10, "minute": 11, "second": 30}
